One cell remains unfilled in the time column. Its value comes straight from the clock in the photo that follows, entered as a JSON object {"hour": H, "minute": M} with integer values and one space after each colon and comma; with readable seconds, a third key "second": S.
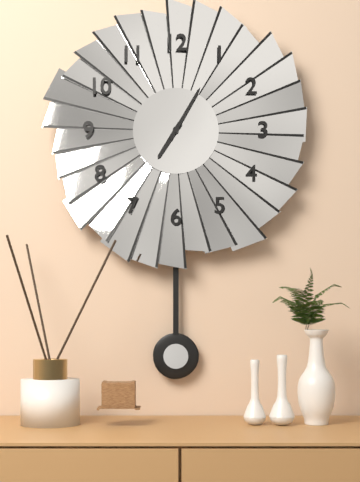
{"hour": 7, "minute": 5}
